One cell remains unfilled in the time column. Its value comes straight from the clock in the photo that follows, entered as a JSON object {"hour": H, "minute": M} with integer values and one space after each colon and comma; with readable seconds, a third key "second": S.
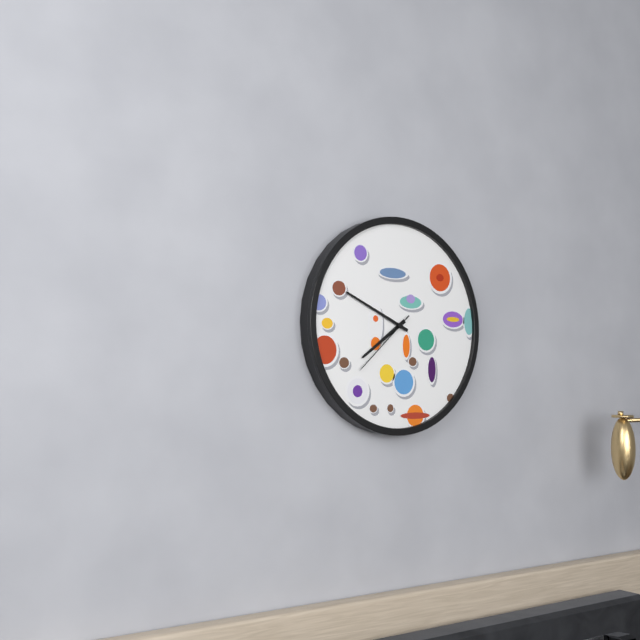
{"hour": 7, "minute": 49, "second": 38}
